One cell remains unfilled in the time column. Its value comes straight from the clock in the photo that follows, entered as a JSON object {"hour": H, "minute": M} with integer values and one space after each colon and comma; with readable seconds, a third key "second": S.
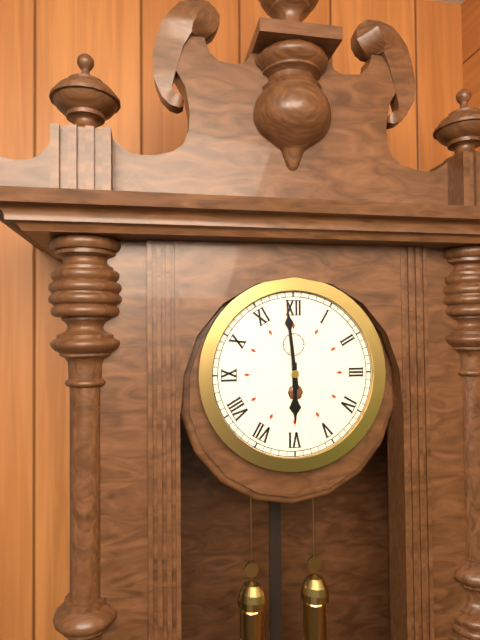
{"hour": 5, "minute": 59}
